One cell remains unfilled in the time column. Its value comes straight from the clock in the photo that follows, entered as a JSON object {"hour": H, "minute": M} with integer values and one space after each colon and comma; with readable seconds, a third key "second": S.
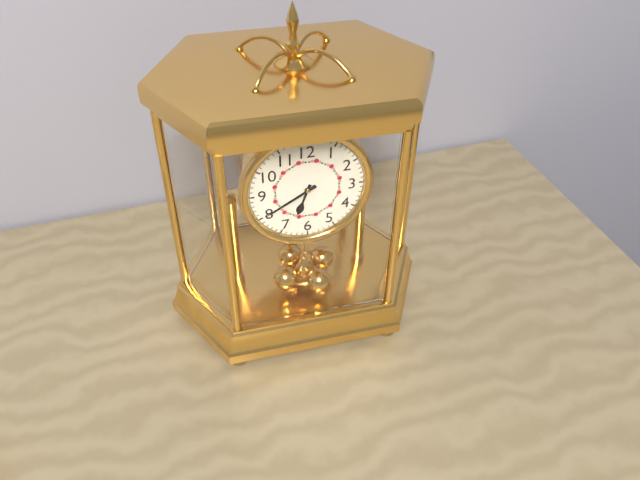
{"hour": 6, "minute": 40}
